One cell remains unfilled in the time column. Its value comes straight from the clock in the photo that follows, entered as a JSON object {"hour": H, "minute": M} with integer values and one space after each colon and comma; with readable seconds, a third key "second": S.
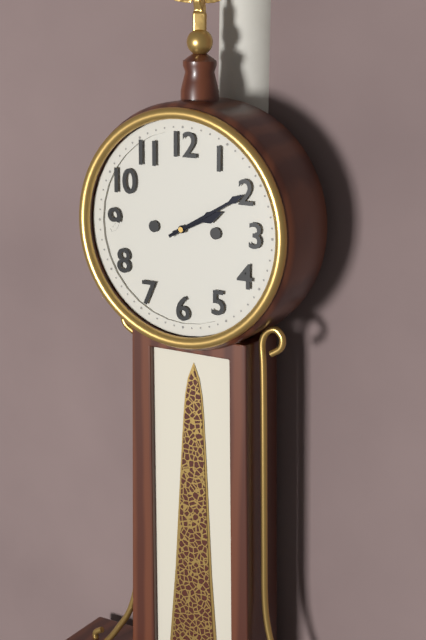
{"hour": 2, "minute": 10}
